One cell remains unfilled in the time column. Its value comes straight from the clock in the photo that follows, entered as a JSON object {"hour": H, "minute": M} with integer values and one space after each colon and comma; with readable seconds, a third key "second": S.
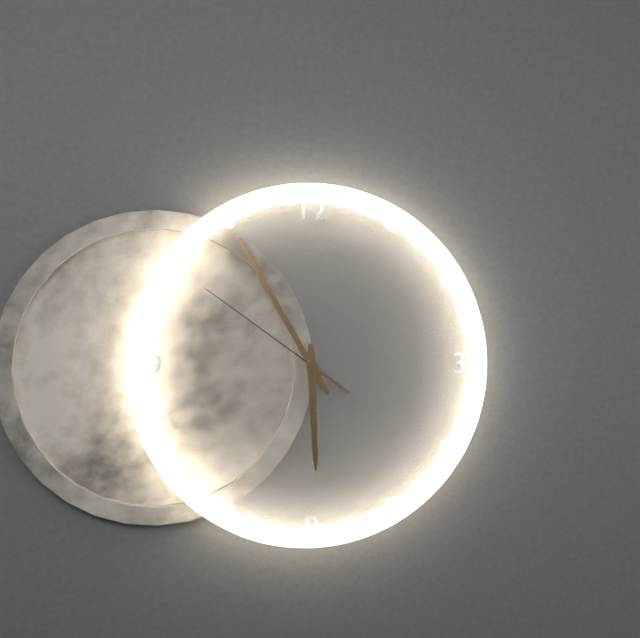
{"hour": 5, "minute": 55, "second": 51}
